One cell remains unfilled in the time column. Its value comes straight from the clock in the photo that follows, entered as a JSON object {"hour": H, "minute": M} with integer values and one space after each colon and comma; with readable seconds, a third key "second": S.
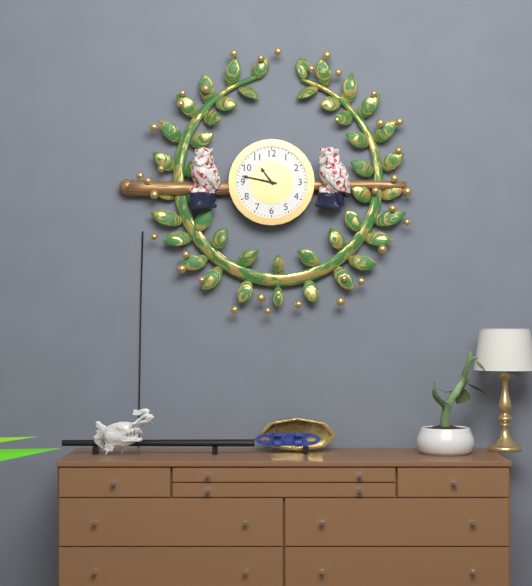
{"hour": 10, "minute": 47}
